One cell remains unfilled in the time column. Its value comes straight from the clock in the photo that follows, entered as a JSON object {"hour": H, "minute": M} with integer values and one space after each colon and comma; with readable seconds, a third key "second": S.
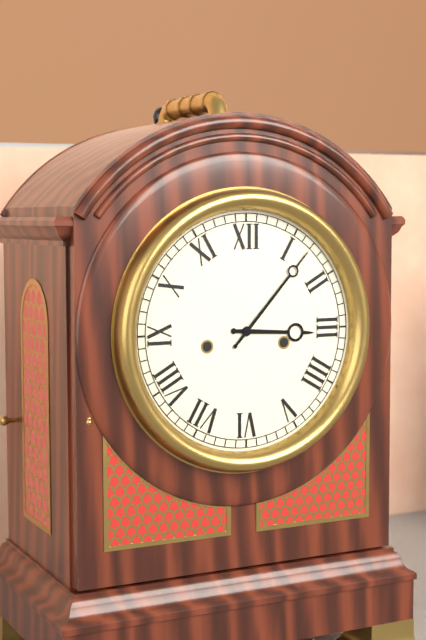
{"hour": 3, "minute": 7}
